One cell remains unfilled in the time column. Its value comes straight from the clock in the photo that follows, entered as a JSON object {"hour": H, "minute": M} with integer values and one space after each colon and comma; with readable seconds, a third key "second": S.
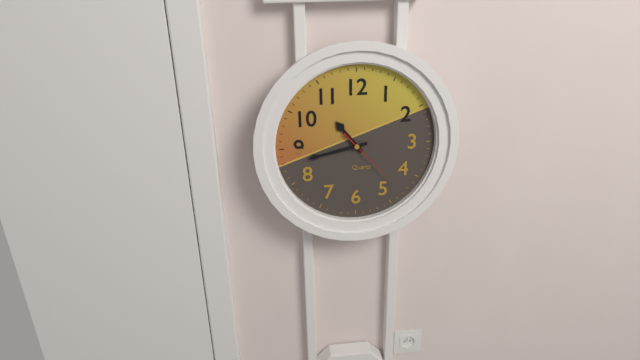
{"hour": 10, "minute": 43, "second": 23}
